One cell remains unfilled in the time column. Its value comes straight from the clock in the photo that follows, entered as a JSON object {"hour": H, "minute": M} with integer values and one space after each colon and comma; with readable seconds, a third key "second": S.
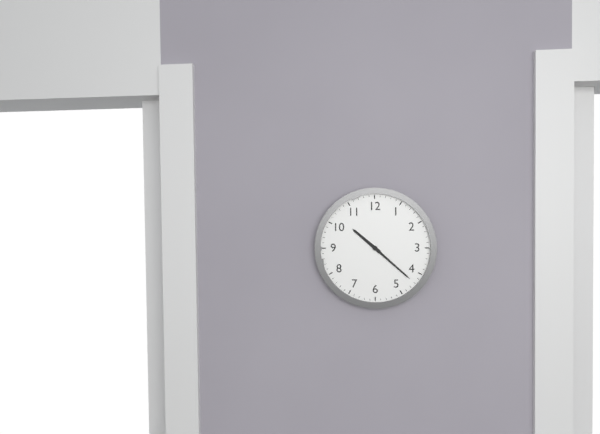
{"hour": 10, "minute": 22}
